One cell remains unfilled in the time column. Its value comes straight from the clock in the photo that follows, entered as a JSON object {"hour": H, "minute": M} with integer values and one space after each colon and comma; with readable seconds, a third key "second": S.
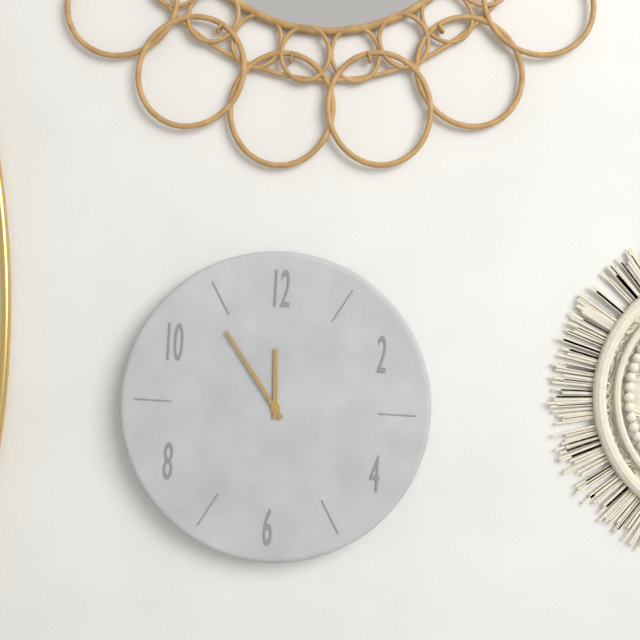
{"hour": 11, "minute": 54}
